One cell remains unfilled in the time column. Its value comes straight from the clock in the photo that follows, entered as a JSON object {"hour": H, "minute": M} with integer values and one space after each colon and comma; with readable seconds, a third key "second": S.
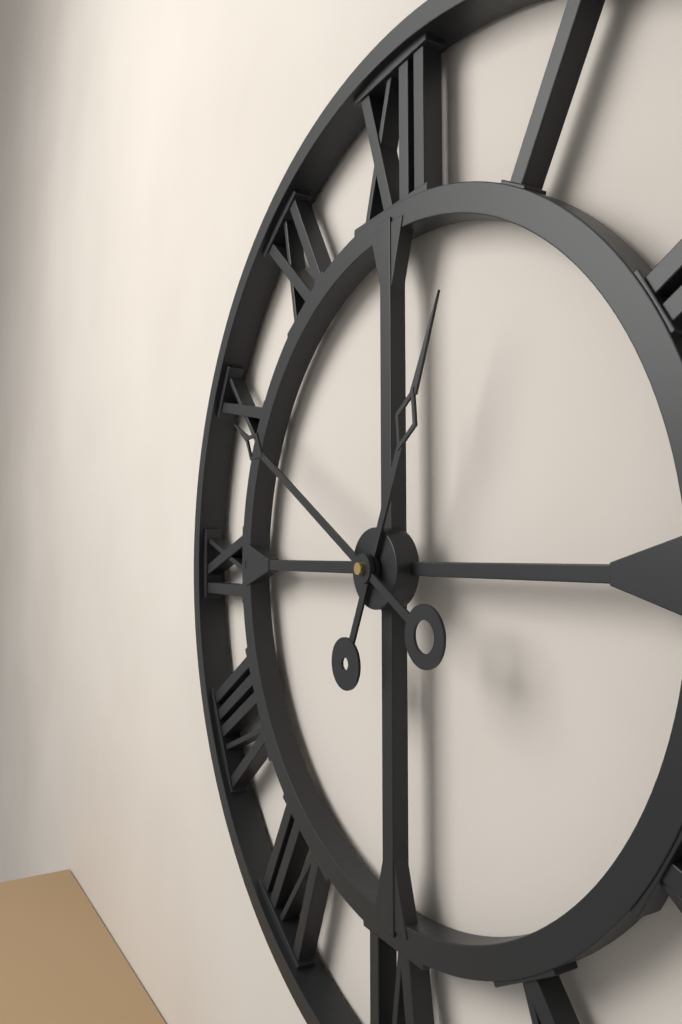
{"hour": 12, "minute": 50}
